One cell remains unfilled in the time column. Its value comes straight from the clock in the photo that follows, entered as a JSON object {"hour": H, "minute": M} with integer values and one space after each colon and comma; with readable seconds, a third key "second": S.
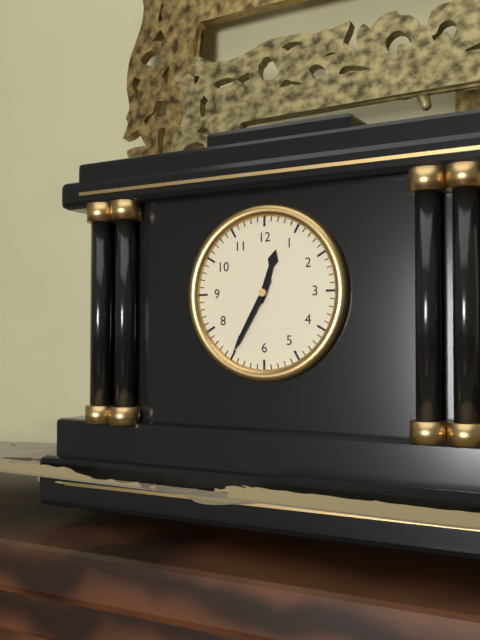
{"hour": 12, "minute": 35}
